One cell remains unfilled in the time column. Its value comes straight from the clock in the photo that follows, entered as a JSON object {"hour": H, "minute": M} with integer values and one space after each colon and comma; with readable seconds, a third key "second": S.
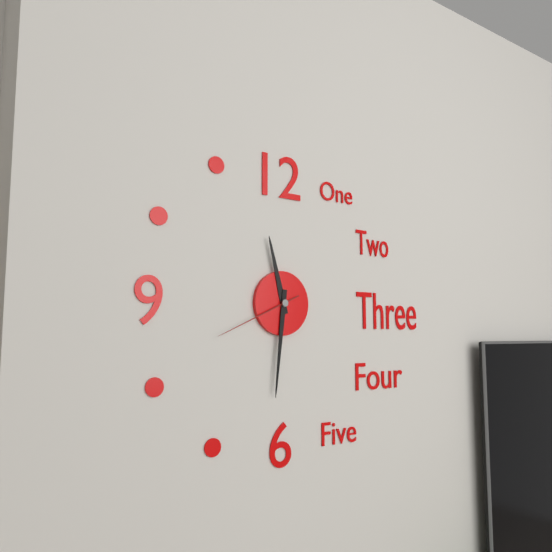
{"hour": 11, "minute": 31, "second": 41}
